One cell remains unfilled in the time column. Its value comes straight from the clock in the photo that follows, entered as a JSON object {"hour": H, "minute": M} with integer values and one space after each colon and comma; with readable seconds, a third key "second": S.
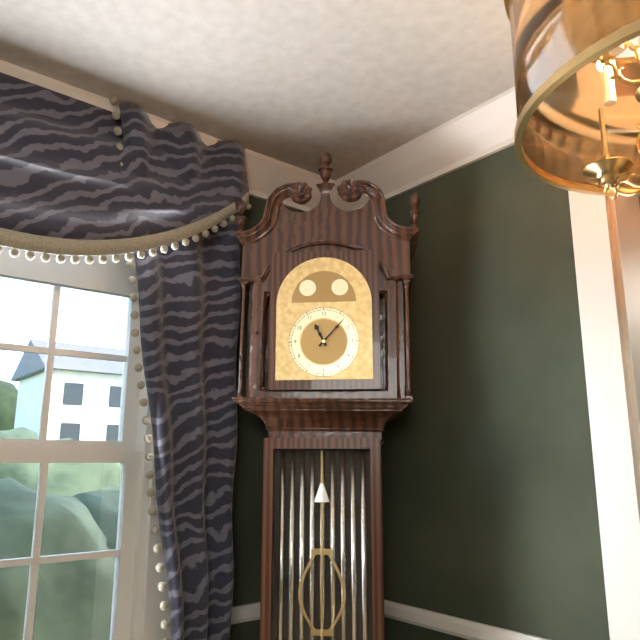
{"hour": 11, "minute": 7}
